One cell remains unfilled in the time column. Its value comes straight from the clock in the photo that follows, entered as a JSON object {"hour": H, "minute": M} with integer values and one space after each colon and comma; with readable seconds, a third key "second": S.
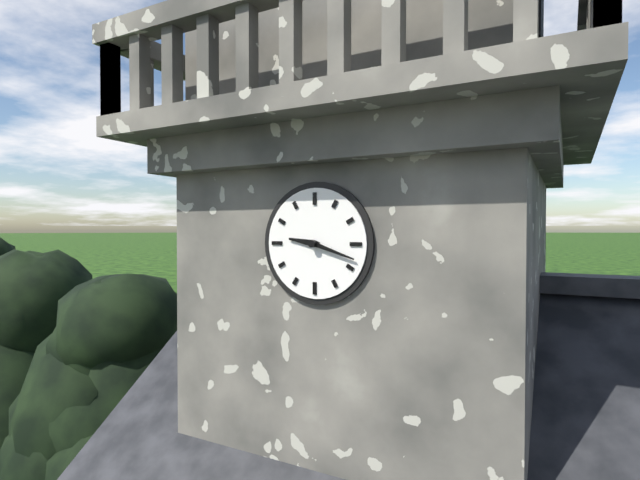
{"hour": 9, "minute": 18}
